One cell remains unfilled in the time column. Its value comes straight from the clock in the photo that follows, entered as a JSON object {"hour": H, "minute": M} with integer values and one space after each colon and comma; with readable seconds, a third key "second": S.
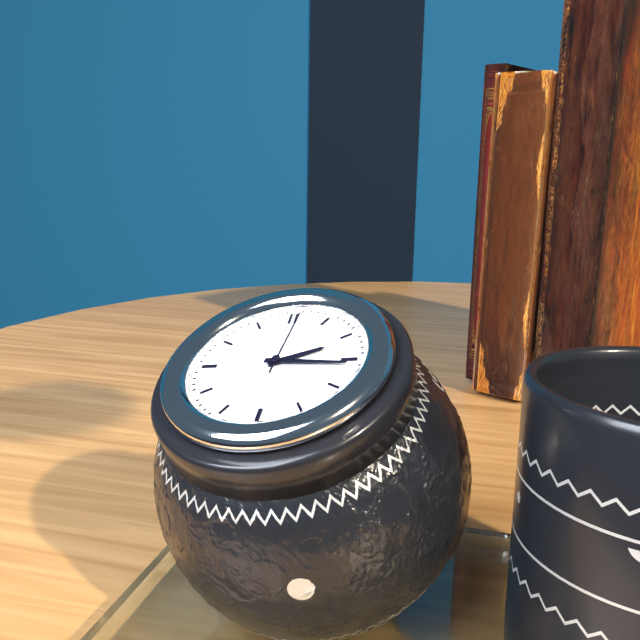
{"hour": 2, "minute": 16, "second": 1}
